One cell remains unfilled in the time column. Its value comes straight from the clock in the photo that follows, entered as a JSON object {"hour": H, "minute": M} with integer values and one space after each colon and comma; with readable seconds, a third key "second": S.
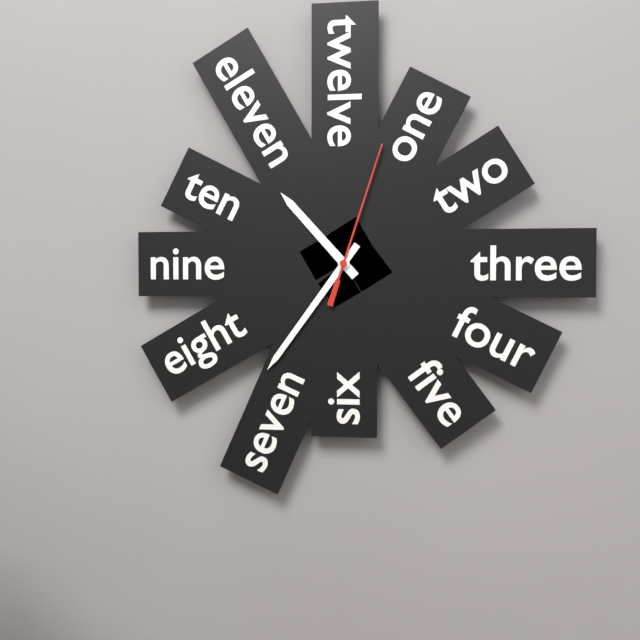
{"hour": 10, "minute": 36, "second": 3}
